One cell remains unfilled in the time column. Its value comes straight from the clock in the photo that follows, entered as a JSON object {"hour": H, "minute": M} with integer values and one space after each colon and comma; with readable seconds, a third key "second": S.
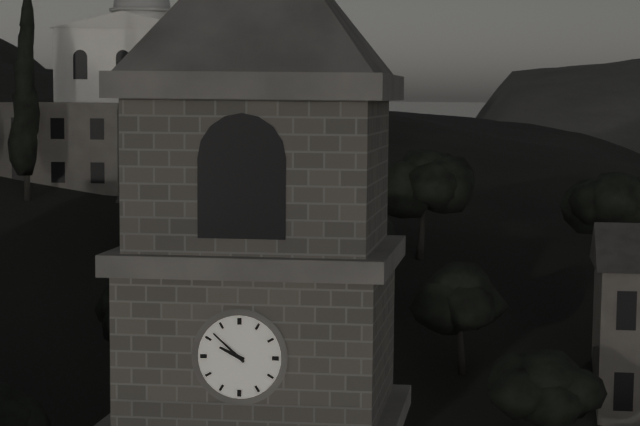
{"hour": 9, "minute": 52}
